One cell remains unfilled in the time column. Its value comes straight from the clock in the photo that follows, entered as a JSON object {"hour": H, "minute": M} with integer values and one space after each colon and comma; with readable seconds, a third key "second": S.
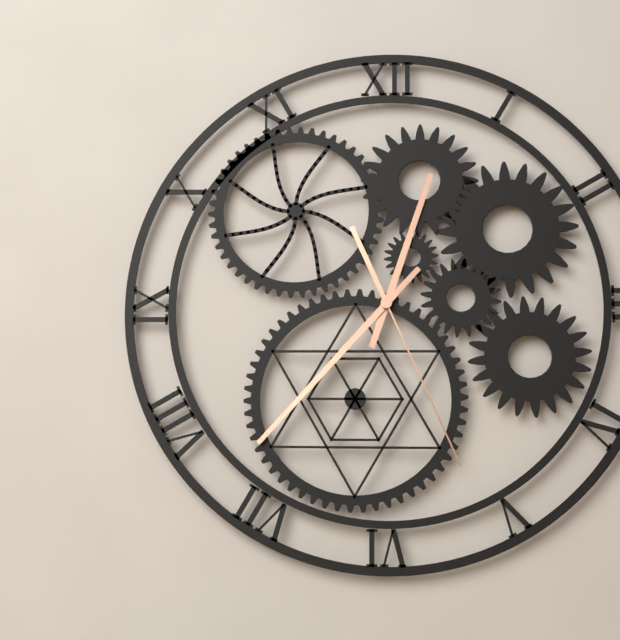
{"hour": 12, "minute": 37, "second": 26}
